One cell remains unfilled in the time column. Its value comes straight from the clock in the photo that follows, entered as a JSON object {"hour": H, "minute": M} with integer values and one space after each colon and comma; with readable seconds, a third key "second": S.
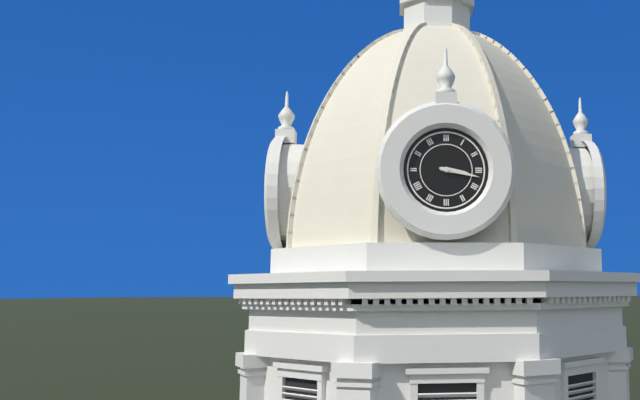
{"hour": 3, "minute": 17}
